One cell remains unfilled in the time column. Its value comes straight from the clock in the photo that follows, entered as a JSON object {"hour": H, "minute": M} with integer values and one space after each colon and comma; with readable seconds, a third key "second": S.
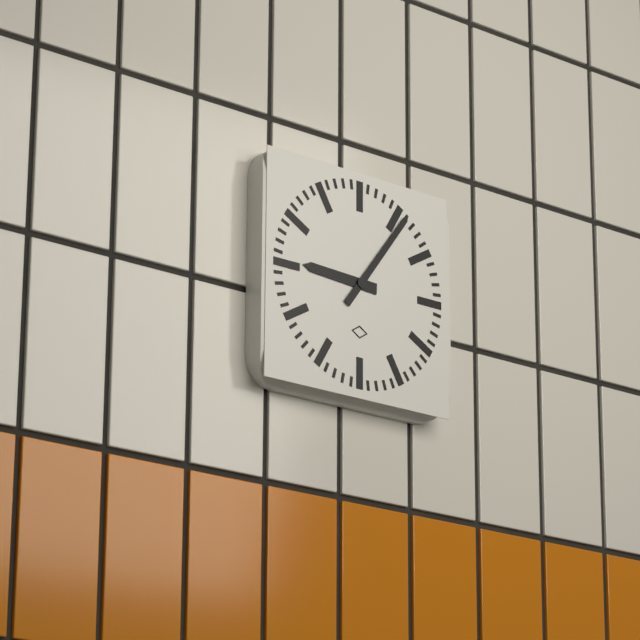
{"hour": 9, "minute": 6}
